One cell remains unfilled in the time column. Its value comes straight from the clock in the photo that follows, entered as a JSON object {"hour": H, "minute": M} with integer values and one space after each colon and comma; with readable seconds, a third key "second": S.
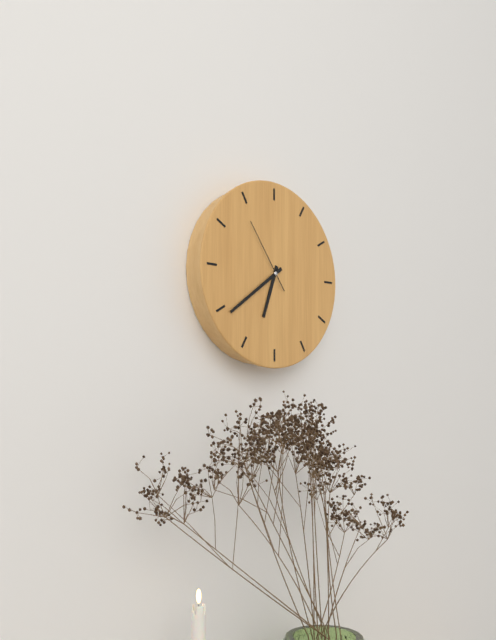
{"hour": 6, "minute": 39, "second": 54}
